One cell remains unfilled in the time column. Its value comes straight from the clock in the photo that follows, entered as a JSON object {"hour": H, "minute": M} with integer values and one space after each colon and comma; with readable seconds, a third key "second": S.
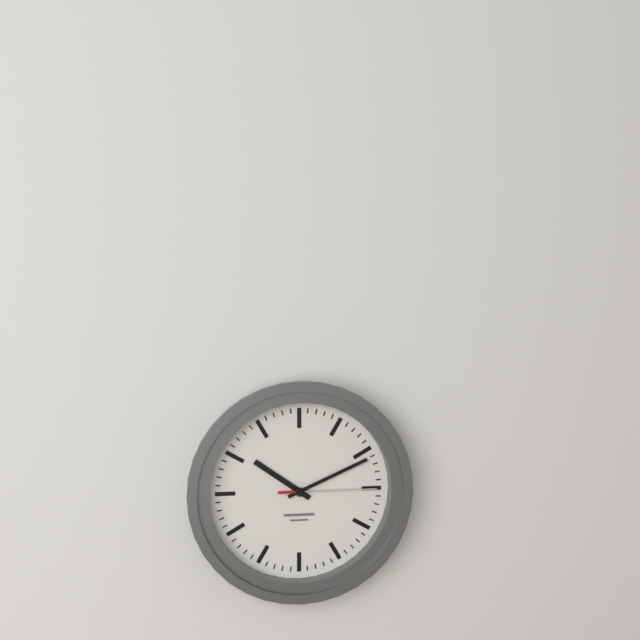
{"hour": 10, "minute": 11, "second": 15}
